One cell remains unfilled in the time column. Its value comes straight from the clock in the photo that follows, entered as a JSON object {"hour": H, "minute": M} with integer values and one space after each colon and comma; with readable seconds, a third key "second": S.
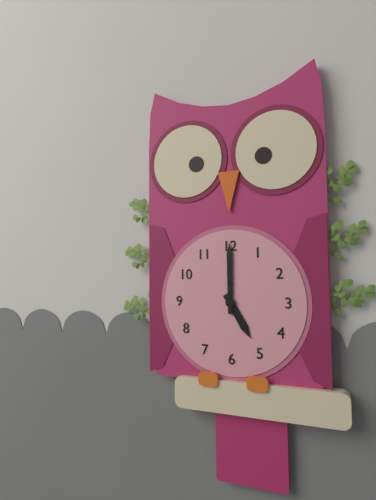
{"hour": 5, "minute": 0}
